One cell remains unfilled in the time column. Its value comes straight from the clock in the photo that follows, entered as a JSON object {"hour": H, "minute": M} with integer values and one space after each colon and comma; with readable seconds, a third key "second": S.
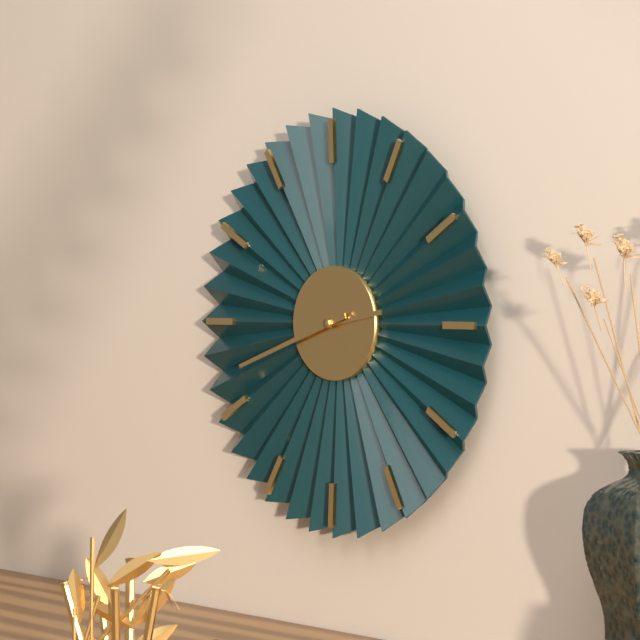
{"hour": 2, "minute": 42}
